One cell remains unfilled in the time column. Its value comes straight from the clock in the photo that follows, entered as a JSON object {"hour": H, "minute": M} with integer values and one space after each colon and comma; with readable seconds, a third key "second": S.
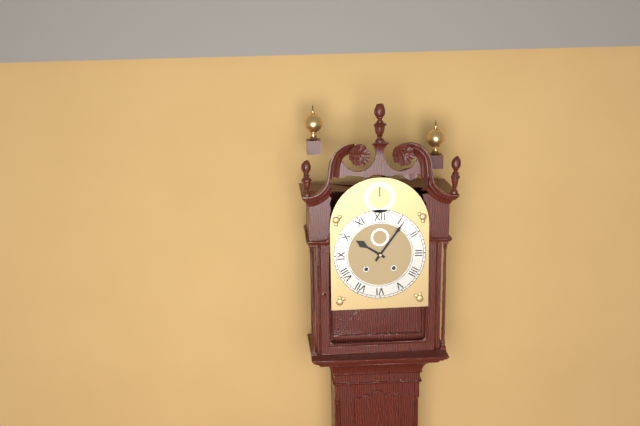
{"hour": 10, "minute": 6}
